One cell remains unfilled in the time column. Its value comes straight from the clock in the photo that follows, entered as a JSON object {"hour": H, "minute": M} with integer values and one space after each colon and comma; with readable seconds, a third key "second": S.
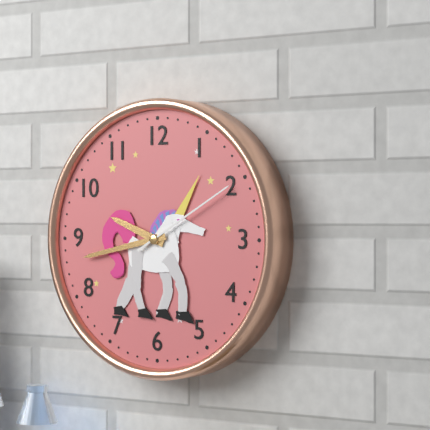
{"hour": 9, "minute": 43, "second": 10}
